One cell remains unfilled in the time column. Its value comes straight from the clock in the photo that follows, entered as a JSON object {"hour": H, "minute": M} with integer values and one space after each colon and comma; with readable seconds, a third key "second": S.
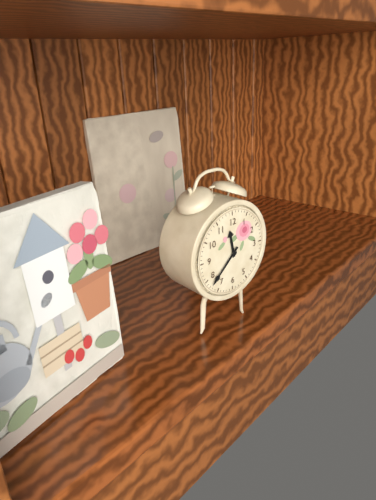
{"hour": 11, "minute": 38}
